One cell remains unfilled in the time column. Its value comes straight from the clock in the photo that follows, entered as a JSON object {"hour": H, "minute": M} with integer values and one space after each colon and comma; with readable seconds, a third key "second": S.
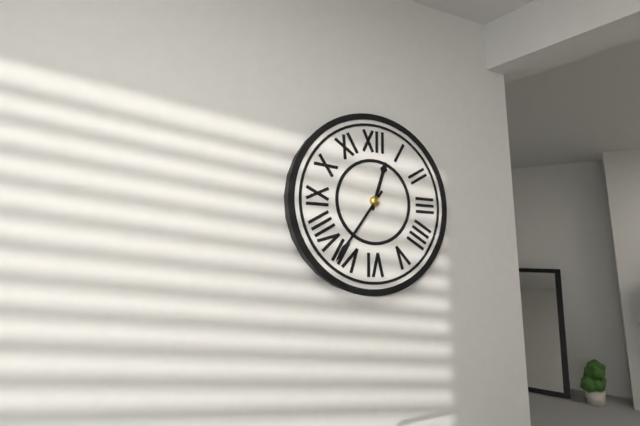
{"hour": 12, "minute": 36}
